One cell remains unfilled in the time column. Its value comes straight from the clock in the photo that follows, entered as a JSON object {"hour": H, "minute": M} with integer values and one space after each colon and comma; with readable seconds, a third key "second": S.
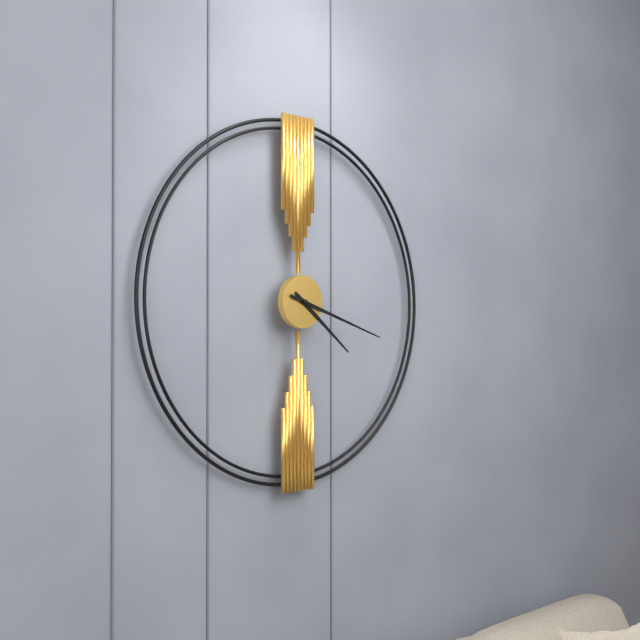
{"hour": 4, "minute": 18}
